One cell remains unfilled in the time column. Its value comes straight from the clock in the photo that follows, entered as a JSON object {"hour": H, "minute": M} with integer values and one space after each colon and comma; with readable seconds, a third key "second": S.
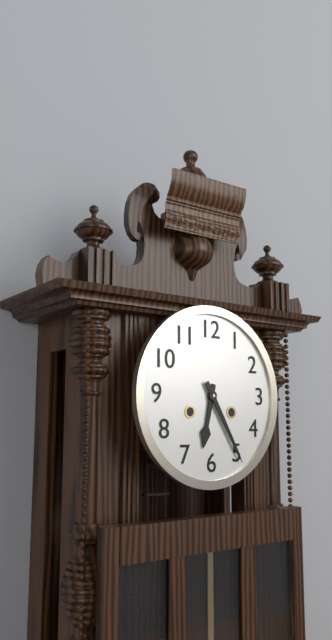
{"hour": 6, "minute": 25}
